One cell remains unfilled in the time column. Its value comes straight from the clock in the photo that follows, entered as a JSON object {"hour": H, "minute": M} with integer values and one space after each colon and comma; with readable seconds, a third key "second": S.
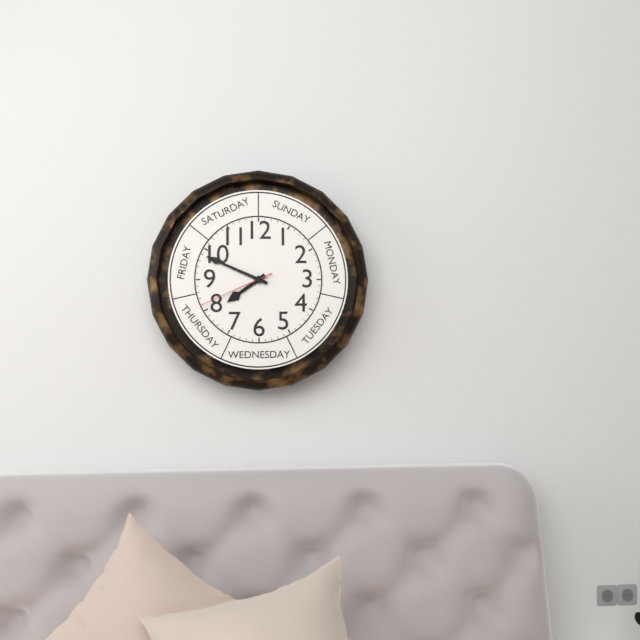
{"hour": 7, "minute": 49, "second": 41}
